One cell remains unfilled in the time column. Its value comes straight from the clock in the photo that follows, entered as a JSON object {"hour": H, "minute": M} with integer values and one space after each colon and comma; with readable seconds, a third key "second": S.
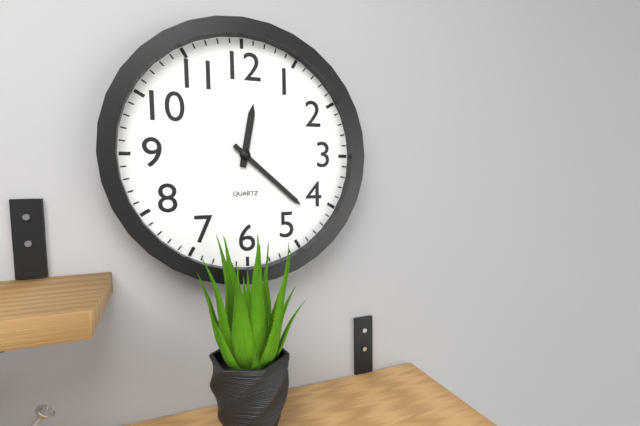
{"hour": 12, "minute": 22}
